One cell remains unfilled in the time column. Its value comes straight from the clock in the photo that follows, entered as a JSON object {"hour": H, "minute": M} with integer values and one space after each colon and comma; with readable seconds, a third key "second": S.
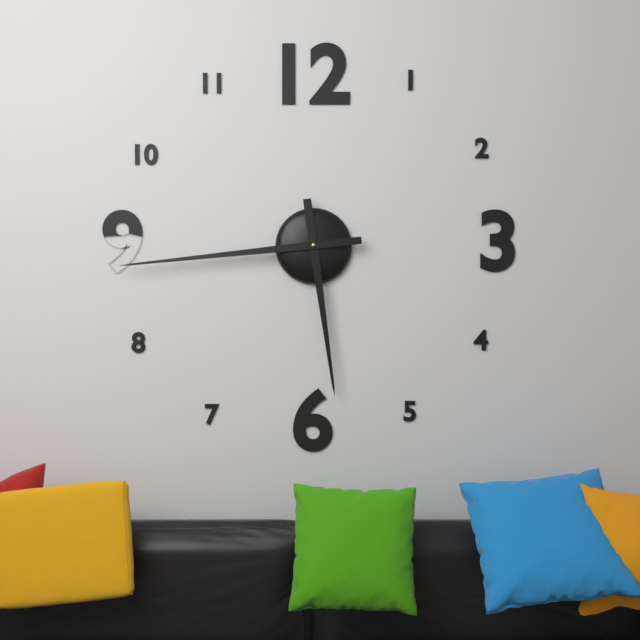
{"hour": 5, "minute": 44}
